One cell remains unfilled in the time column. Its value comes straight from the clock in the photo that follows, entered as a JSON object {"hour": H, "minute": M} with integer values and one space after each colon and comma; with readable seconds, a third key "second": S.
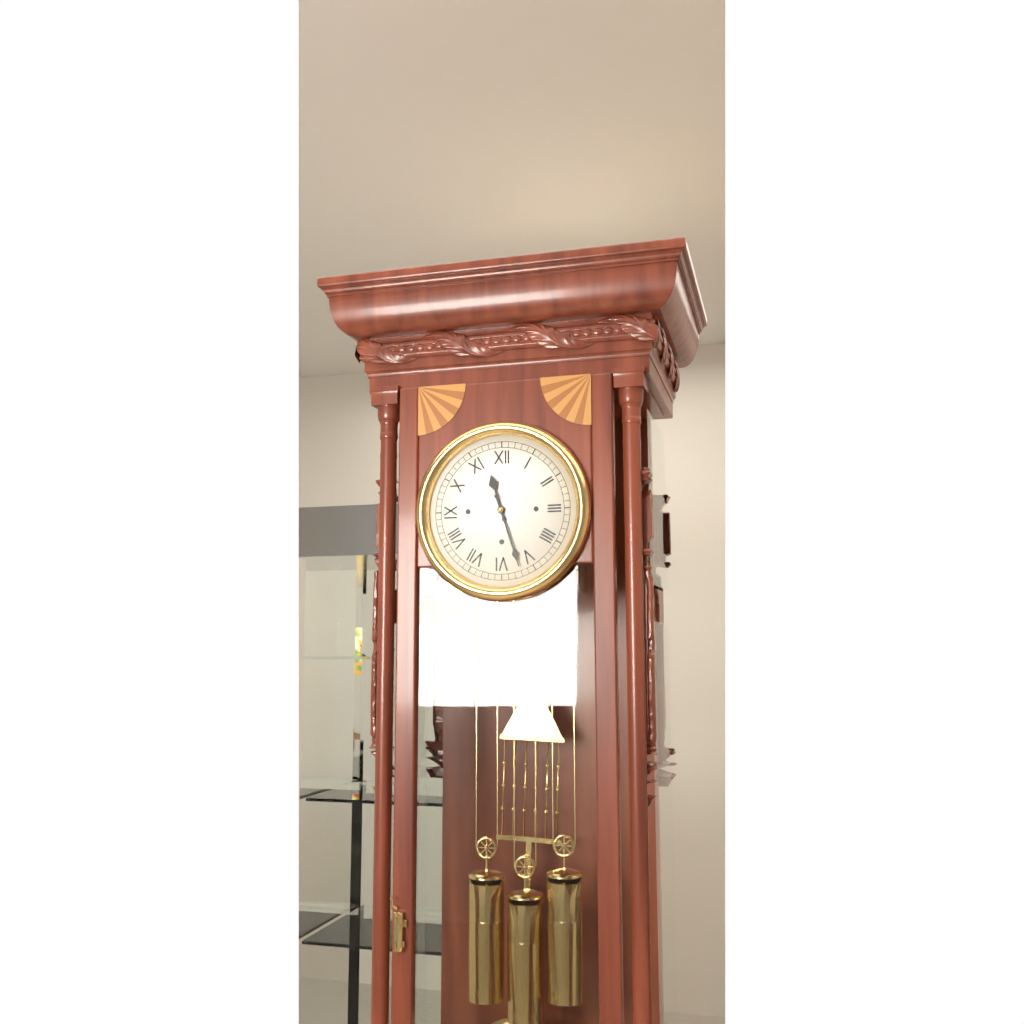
{"hour": 11, "minute": 27}
